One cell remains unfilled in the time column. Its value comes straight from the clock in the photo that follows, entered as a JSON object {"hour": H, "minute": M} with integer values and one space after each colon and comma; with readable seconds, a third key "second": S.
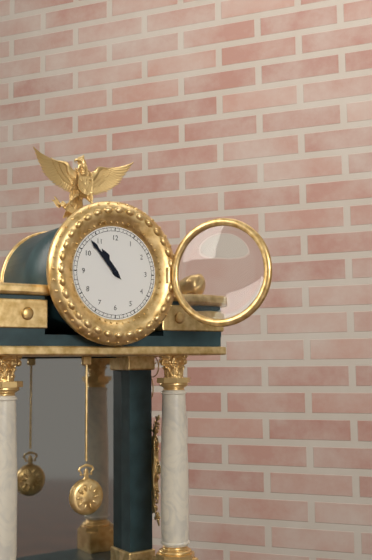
{"hour": 10, "minute": 53}
